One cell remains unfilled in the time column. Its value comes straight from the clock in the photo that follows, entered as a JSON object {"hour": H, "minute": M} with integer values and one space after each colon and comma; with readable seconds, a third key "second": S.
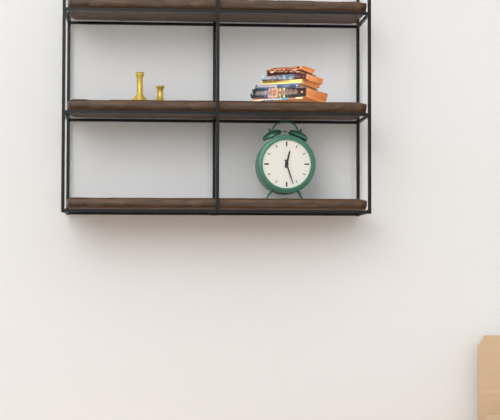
{"hour": 12, "minute": 27}
